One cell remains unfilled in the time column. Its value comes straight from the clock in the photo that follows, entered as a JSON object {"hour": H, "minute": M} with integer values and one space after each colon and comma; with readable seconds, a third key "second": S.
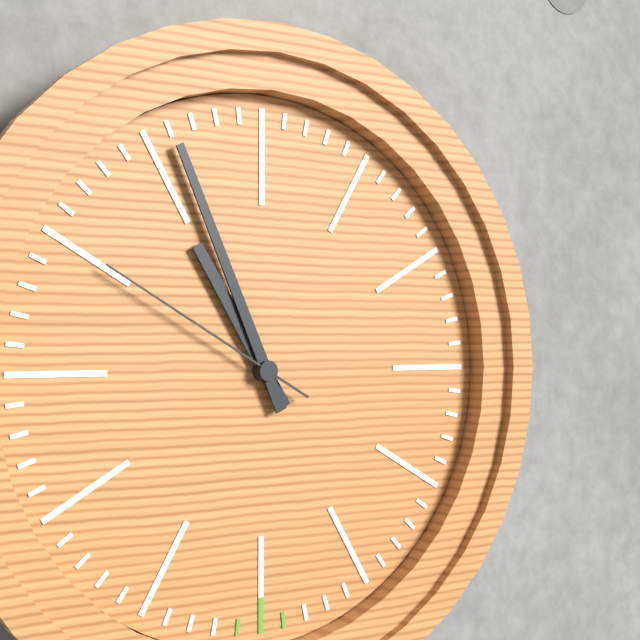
{"hour": 10, "minute": 56, "second": 50}
